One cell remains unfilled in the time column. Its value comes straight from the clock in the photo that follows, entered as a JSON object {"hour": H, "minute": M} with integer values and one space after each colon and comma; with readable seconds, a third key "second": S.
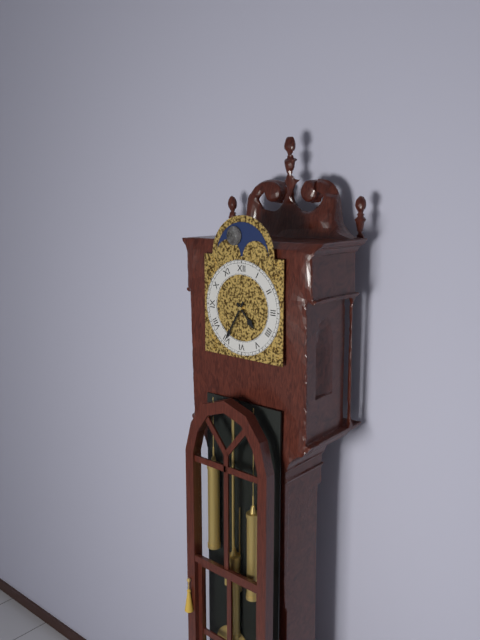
{"hour": 4, "minute": 35}
